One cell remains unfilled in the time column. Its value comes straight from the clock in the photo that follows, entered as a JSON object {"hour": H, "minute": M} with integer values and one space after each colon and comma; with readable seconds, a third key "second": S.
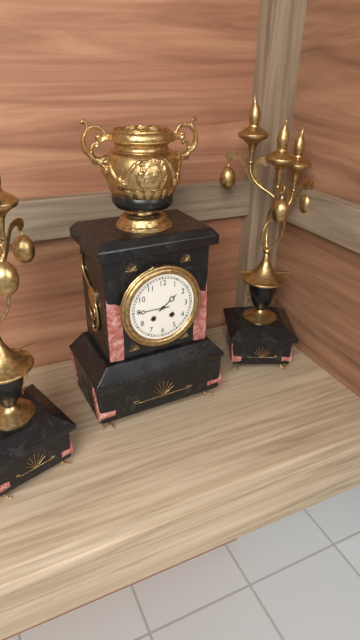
{"hour": 1, "minute": 45}
